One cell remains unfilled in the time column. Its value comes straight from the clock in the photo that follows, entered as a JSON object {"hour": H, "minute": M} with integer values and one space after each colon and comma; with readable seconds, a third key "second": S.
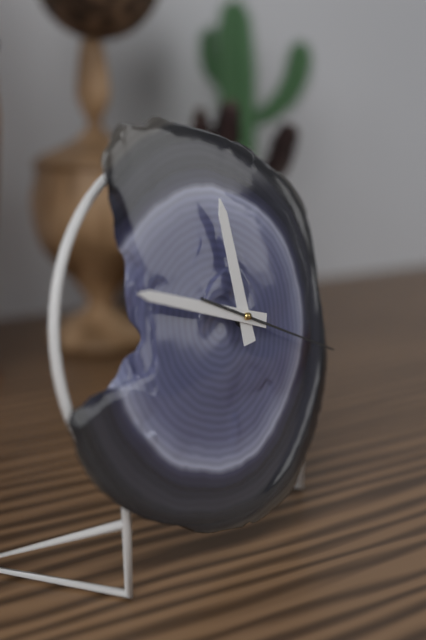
{"hour": 11, "minute": 48, "second": 19}
